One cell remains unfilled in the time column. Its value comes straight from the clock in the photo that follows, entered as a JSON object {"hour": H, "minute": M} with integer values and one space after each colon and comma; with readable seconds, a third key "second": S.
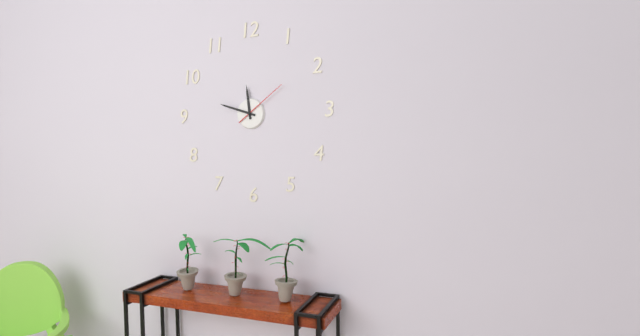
{"hour": 11, "minute": 48, "second": 9}
